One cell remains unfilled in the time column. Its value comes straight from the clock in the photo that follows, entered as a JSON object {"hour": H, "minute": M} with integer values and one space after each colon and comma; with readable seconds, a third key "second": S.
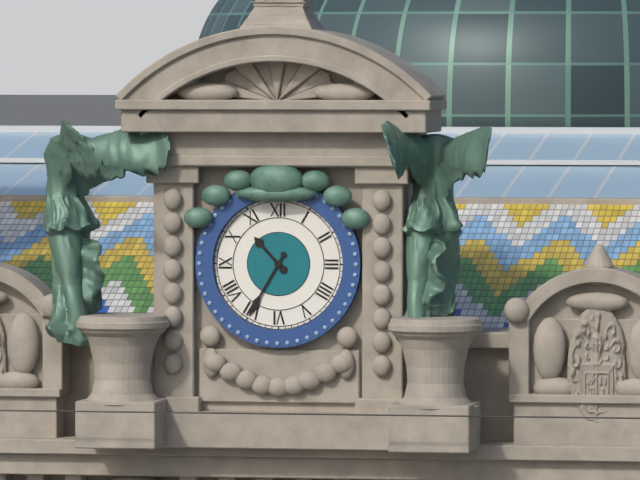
{"hour": 10, "minute": 35}
